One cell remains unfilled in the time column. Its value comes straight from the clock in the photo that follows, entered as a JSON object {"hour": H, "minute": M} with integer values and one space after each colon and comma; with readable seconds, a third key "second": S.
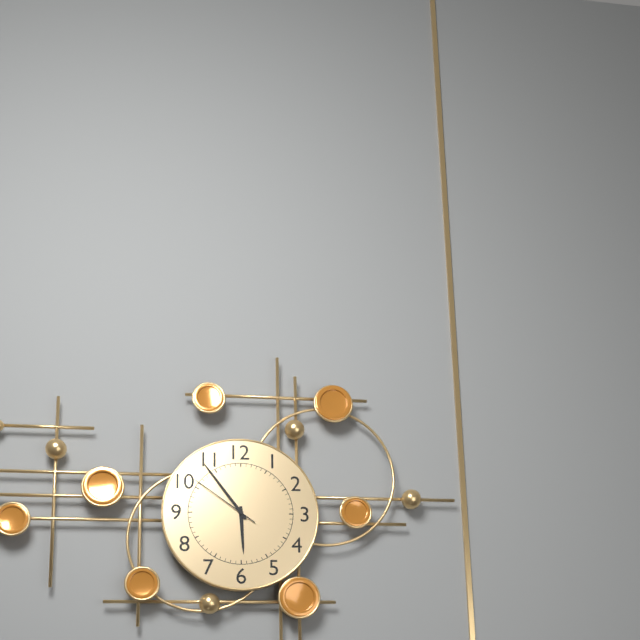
{"hour": 5, "minute": 54, "second": 51}
